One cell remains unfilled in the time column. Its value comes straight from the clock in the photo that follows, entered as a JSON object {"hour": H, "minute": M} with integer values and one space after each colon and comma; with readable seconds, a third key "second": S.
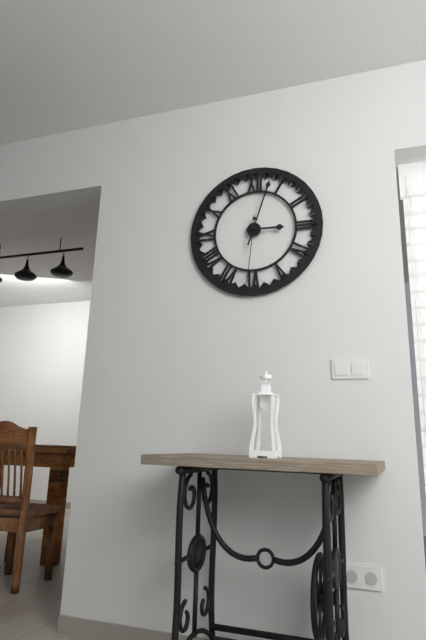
{"hour": 3, "minute": 3, "second": 31}
